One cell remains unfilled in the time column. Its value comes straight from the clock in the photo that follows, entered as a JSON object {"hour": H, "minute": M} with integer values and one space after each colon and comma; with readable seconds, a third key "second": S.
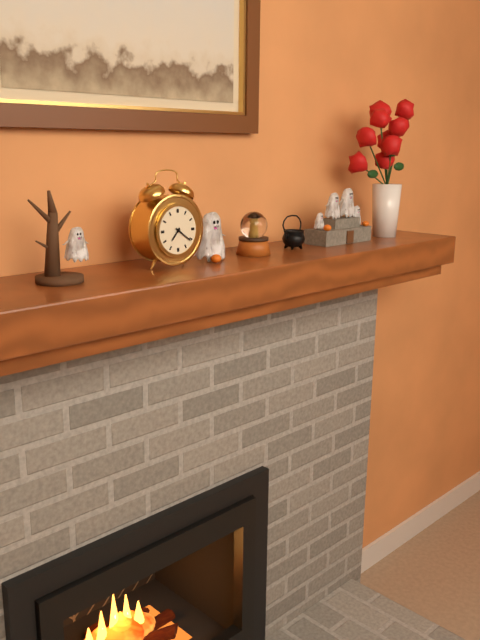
{"hour": 7, "minute": 21}
